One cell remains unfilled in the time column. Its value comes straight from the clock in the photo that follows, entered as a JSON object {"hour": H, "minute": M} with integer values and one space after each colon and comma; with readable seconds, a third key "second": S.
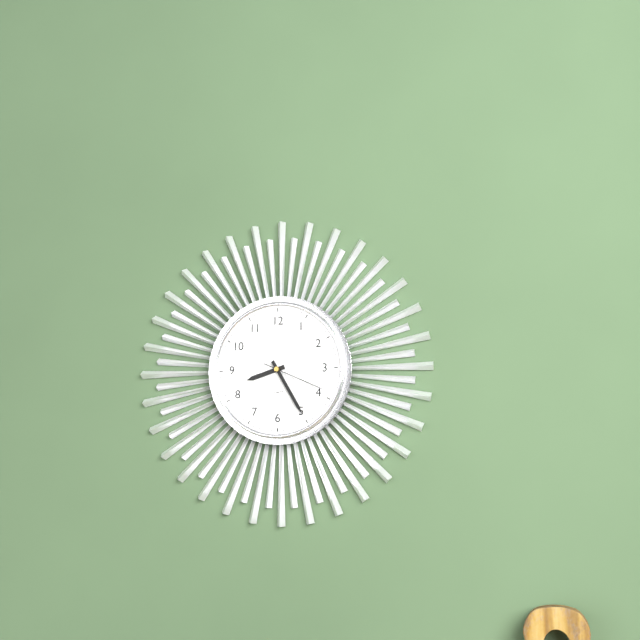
{"hour": 8, "minute": 25, "second": 19}
